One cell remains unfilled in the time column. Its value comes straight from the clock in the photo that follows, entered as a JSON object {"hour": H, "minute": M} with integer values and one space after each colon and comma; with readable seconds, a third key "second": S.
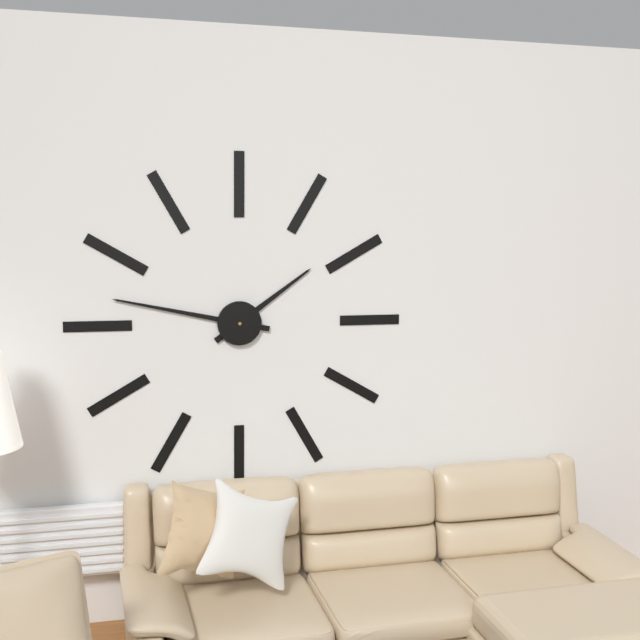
{"hour": 1, "minute": 47}
